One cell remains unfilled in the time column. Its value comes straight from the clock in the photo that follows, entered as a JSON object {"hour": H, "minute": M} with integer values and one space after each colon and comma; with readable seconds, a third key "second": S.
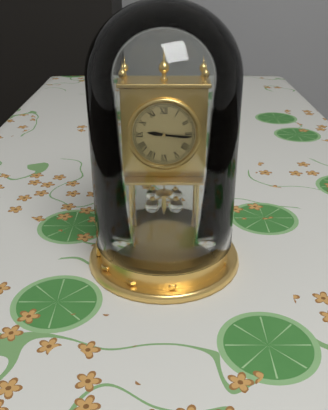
{"hour": 9, "minute": 16}
